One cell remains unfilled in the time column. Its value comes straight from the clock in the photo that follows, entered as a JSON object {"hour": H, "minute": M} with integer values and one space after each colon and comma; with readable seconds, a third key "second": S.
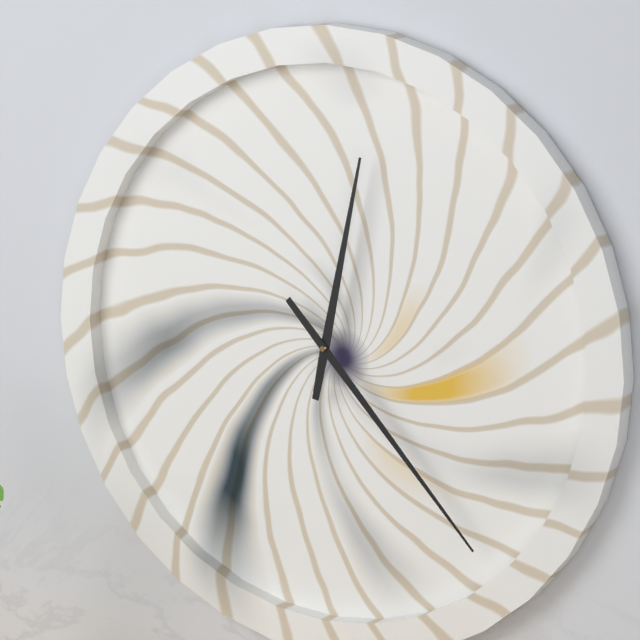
{"hour": 12, "minute": 23}
